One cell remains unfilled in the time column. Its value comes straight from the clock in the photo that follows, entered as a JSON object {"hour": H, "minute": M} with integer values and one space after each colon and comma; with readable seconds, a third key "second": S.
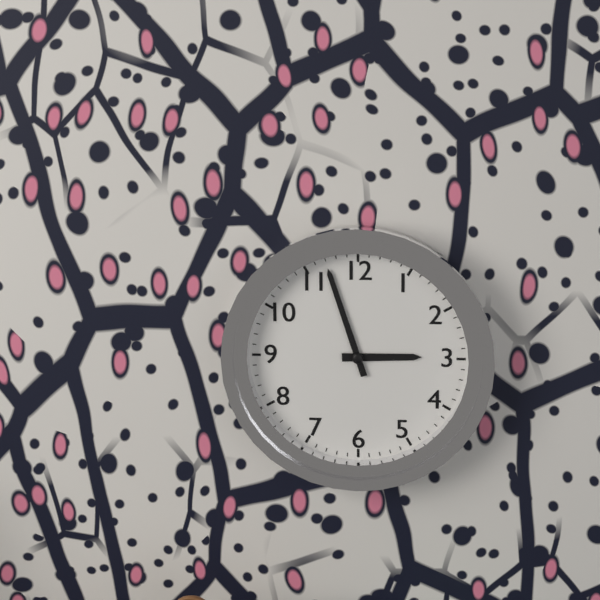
{"hour": 2, "minute": 57}
